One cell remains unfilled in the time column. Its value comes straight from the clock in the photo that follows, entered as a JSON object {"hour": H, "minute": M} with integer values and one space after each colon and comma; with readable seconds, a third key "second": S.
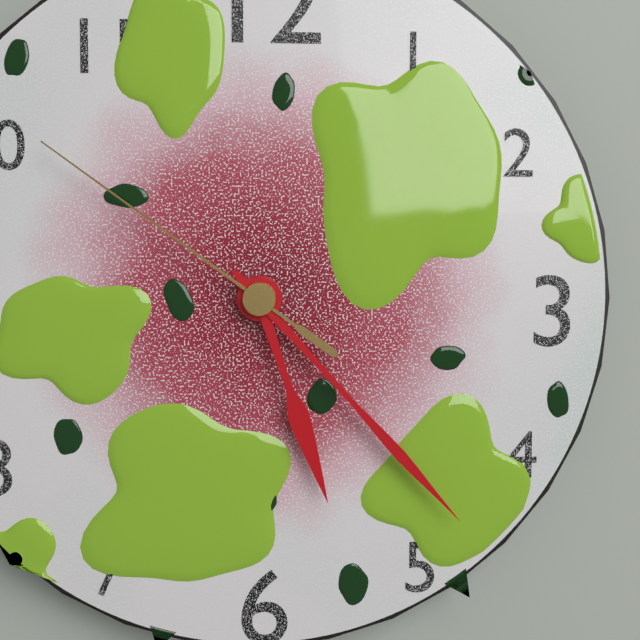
{"hour": 5, "minute": 23, "second": 51}
